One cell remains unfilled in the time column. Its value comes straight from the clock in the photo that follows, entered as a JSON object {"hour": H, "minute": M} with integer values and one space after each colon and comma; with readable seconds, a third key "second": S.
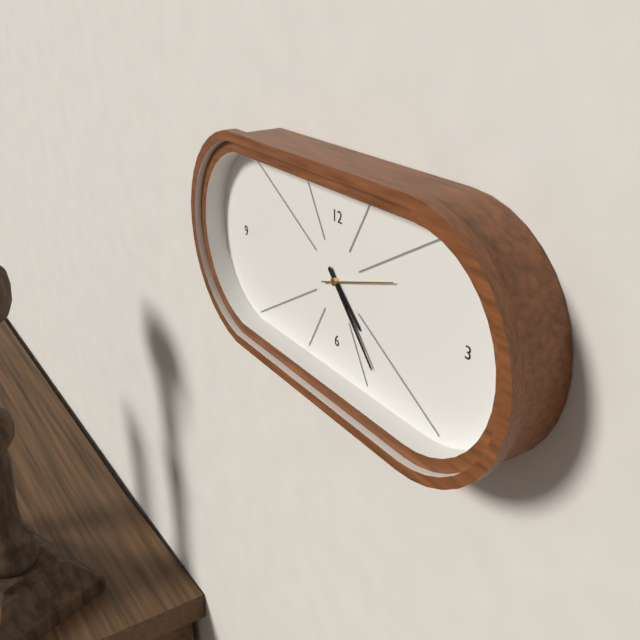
{"hour": 4, "minute": 23, "second": 12}
